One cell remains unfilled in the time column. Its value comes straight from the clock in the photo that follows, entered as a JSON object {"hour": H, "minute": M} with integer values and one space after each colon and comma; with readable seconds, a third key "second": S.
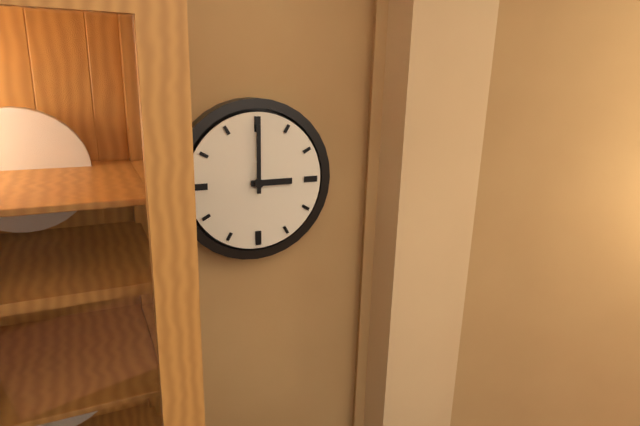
{"hour": 3, "minute": 0}
